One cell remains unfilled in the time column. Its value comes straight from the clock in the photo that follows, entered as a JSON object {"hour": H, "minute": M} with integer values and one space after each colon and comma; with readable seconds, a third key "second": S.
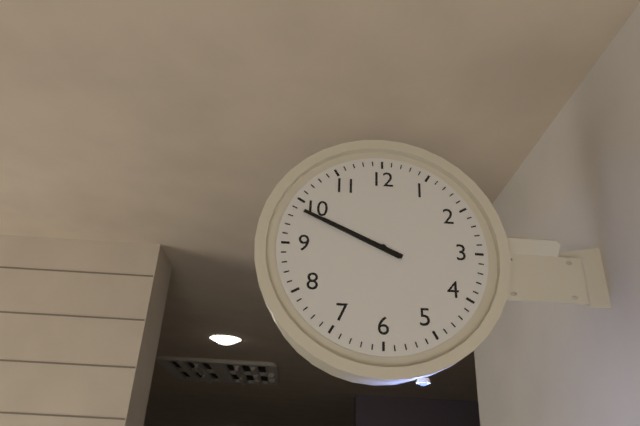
{"hour": 9, "minute": 49}
